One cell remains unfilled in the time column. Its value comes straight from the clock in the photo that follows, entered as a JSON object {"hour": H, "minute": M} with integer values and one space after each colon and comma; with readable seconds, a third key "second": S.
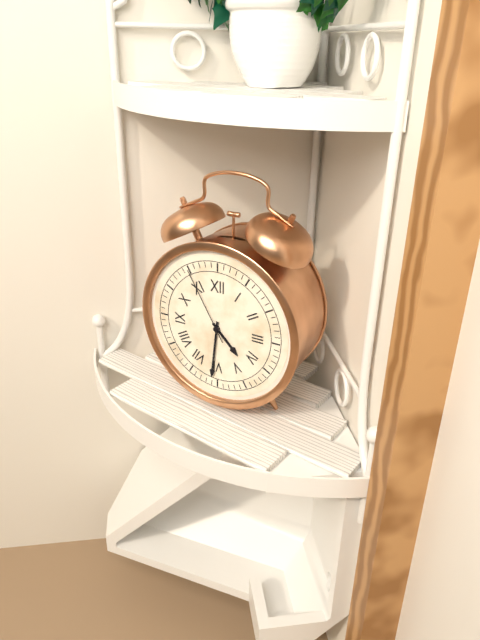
{"hour": 4, "minute": 31, "second": 55}
